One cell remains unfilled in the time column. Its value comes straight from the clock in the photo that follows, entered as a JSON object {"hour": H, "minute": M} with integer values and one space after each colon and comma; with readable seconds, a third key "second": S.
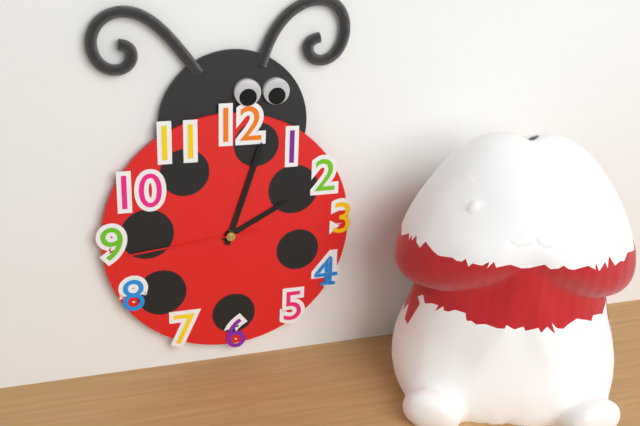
{"hour": 2, "minute": 3, "second": 44}
